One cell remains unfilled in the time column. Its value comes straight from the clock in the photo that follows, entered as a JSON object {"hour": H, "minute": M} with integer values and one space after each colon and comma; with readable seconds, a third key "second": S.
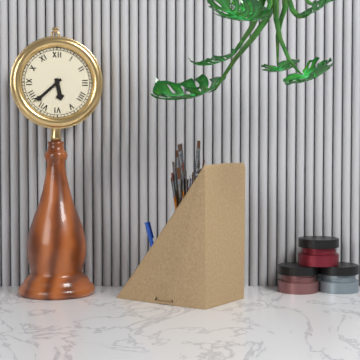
{"hour": 5, "minute": 38}
